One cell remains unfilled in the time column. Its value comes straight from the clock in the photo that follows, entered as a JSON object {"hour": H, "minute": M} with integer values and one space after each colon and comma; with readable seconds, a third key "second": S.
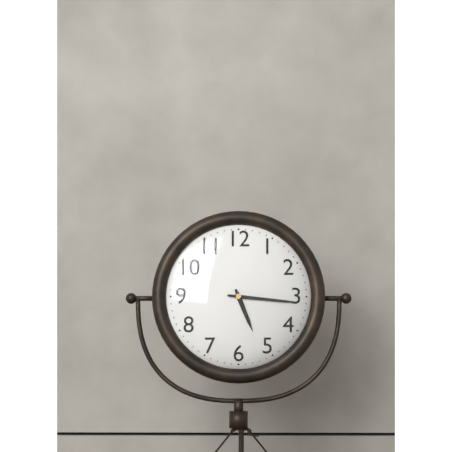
{"hour": 5, "minute": 16}
